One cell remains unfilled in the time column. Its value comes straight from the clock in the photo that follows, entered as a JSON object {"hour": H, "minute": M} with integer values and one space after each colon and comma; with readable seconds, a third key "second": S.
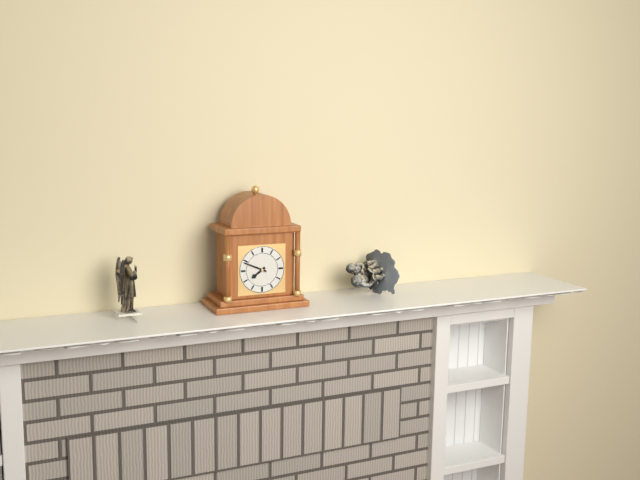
{"hour": 7, "minute": 49}
